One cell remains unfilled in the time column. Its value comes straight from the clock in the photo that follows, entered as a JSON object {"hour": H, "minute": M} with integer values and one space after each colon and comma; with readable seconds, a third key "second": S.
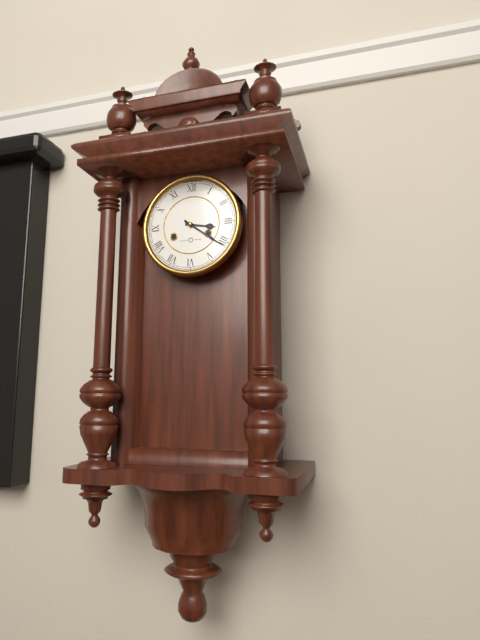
{"hour": 3, "minute": 21}
